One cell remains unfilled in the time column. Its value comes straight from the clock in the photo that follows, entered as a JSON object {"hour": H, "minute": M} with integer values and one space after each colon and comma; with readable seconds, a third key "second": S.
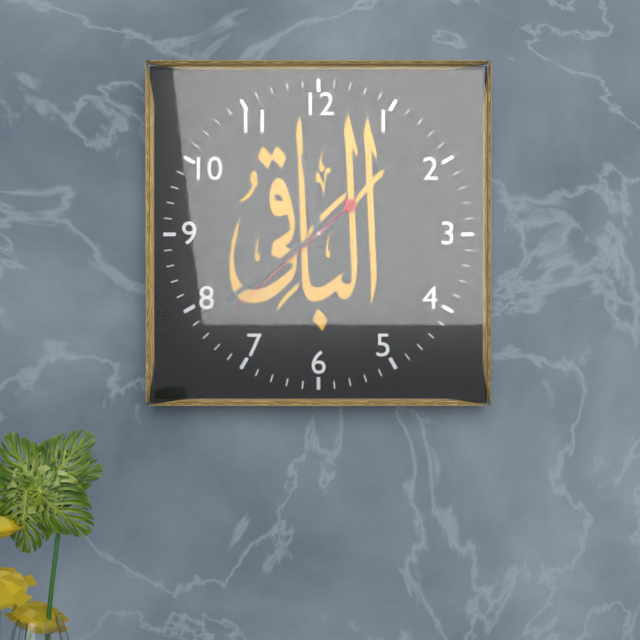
{"hour": 11, "minute": 39, "second": 38}
